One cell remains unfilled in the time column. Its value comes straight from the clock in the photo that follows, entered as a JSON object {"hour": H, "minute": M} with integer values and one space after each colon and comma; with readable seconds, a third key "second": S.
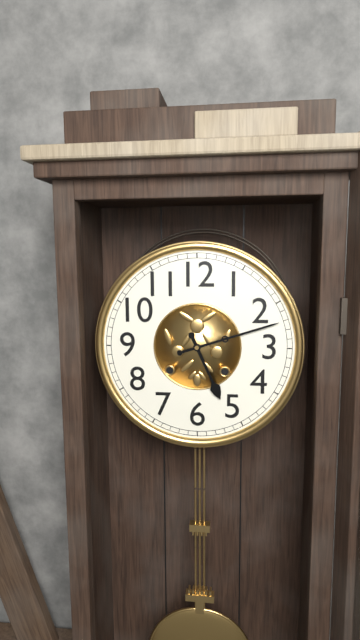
{"hour": 5, "minute": 12}
